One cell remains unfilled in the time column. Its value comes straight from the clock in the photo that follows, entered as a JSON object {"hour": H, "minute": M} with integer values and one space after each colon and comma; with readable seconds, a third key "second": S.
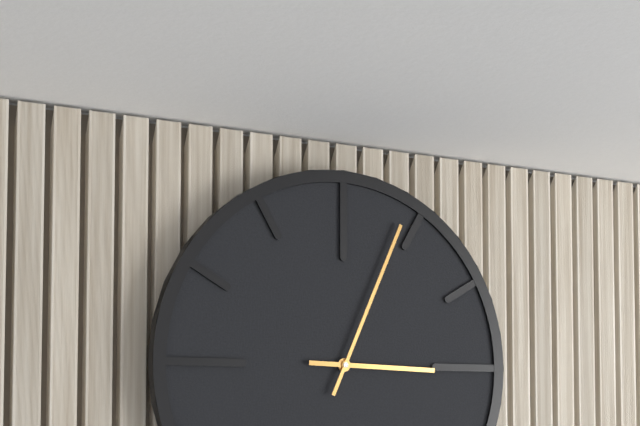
{"hour": 3, "minute": 4}
